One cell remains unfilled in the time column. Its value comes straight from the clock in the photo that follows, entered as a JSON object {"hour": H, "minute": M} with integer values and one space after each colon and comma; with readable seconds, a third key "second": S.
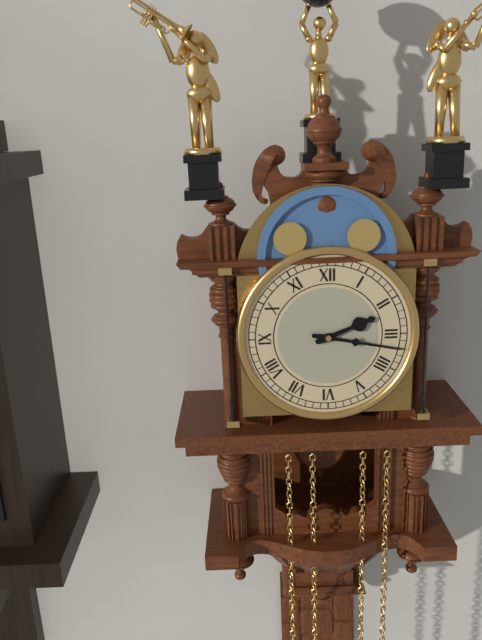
{"hour": 2, "minute": 17}
